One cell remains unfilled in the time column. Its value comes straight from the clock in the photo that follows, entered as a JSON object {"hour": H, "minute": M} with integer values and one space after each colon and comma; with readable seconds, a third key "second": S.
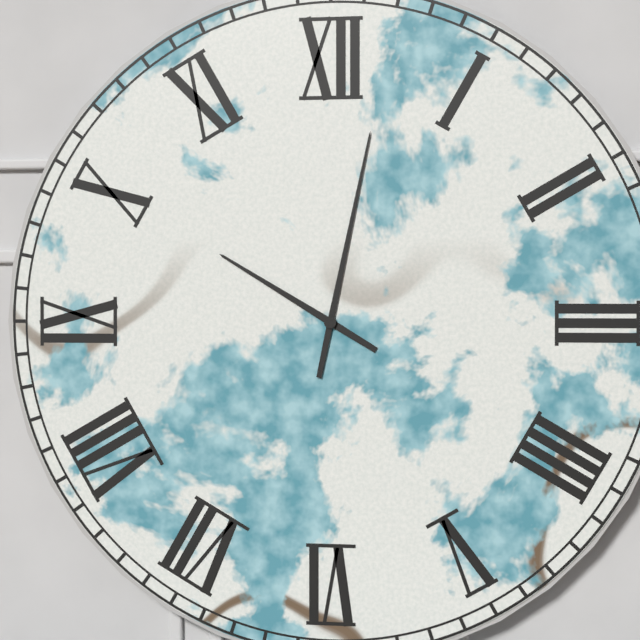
{"hour": 10, "minute": 2}
